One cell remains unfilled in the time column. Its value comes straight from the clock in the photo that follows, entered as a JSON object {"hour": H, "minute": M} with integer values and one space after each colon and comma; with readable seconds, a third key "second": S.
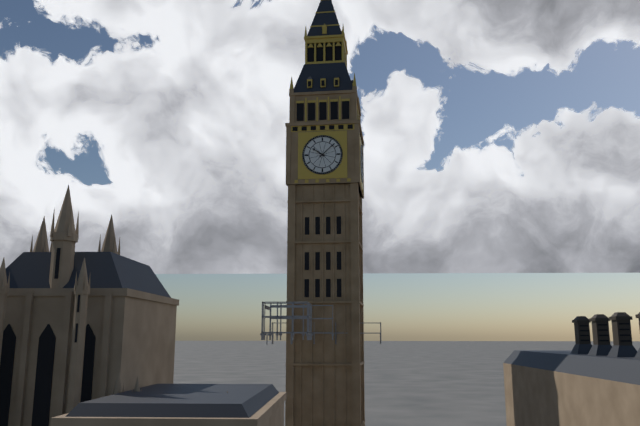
{"hour": 10, "minute": 8}
